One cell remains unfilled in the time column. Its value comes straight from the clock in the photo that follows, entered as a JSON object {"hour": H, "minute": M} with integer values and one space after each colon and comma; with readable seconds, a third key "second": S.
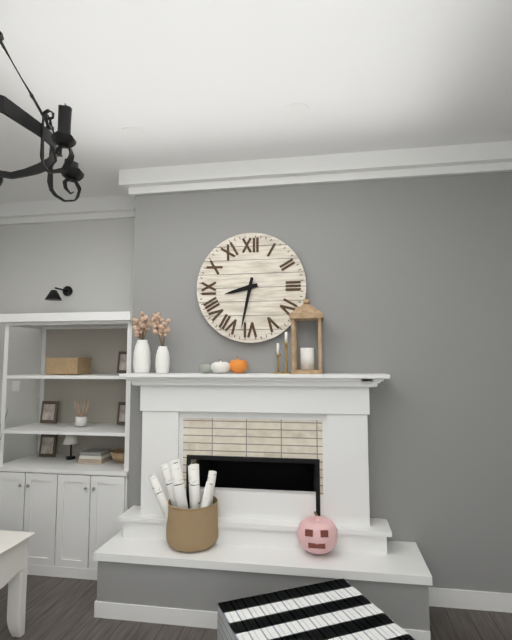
{"hour": 8, "minute": 32}
